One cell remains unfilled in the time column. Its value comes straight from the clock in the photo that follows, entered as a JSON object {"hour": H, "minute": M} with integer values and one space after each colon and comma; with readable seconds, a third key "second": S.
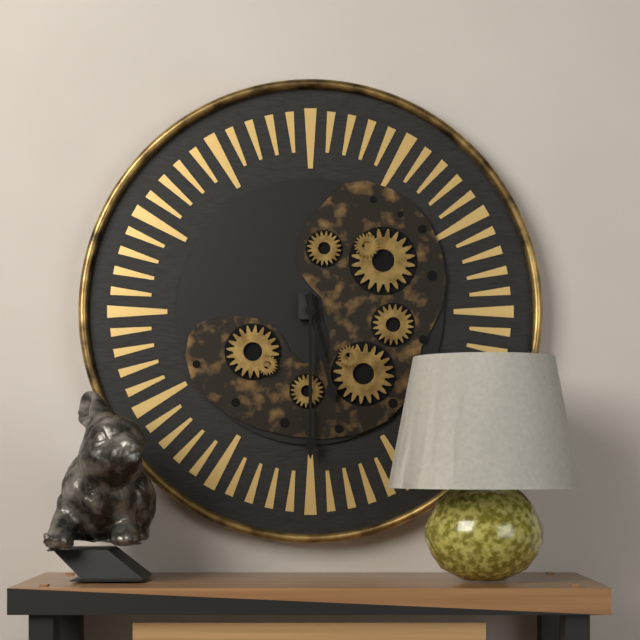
{"hour": 5, "minute": 30}
